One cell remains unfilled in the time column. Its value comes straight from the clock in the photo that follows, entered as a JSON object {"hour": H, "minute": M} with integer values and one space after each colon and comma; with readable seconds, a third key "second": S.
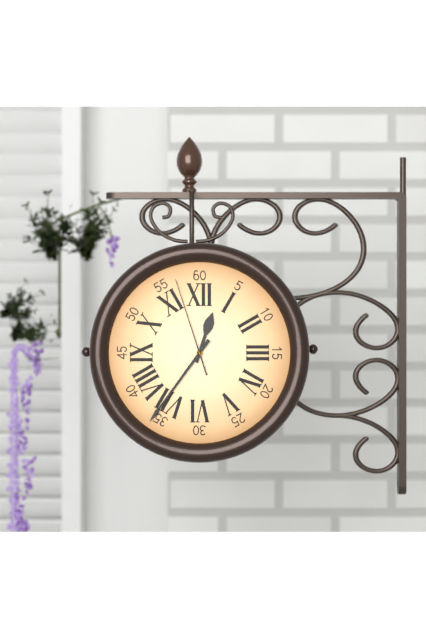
{"hour": 12, "minute": 36, "second": 57}
